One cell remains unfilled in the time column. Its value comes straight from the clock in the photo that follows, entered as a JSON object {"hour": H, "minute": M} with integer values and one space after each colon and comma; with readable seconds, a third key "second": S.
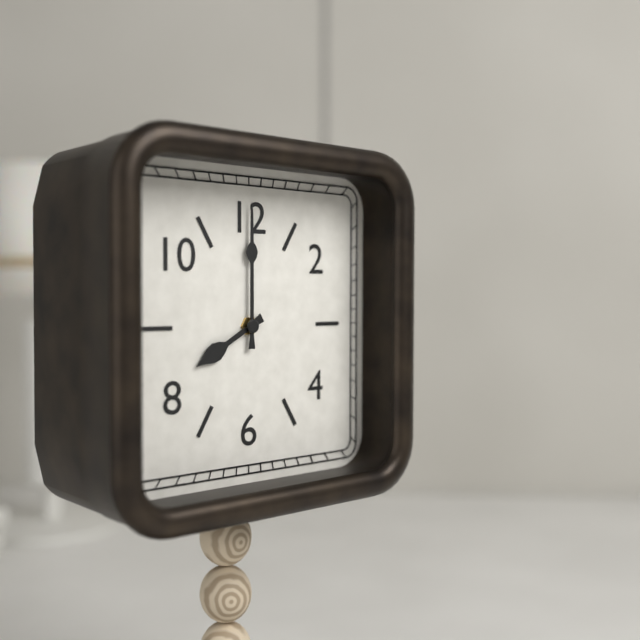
{"hour": 8, "minute": 0}
